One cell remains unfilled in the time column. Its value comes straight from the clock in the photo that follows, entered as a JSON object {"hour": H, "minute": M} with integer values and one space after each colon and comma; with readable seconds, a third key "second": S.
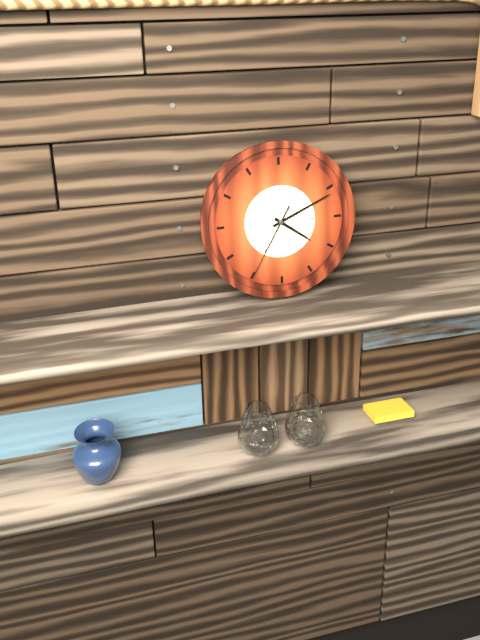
{"hour": 4, "minute": 11, "second": 35}
